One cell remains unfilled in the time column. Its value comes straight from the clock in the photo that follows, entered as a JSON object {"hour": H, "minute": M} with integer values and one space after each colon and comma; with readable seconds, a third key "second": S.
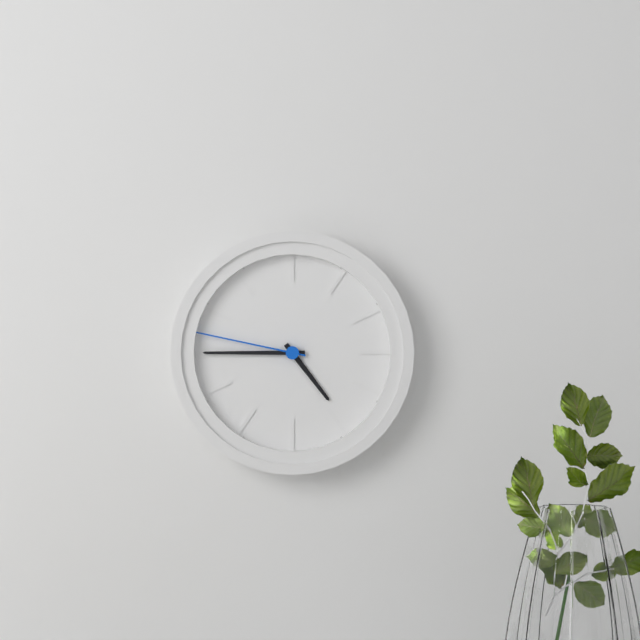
{"hour": 4, "minute": 45, "second": 47}
